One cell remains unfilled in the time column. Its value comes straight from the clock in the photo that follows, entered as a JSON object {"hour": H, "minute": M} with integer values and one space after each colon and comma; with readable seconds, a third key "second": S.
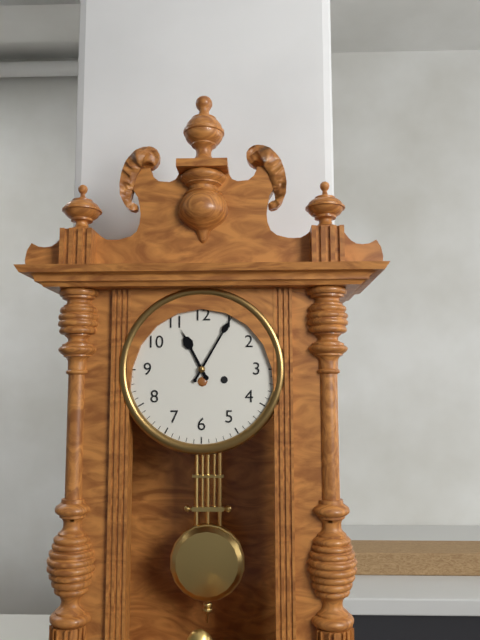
{"hour": 11, "minute": 5}
